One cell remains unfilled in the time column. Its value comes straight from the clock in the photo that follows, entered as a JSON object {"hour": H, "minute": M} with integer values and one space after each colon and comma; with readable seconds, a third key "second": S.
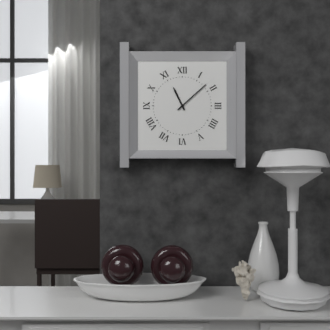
{"hour": 11, "minute": 8}
